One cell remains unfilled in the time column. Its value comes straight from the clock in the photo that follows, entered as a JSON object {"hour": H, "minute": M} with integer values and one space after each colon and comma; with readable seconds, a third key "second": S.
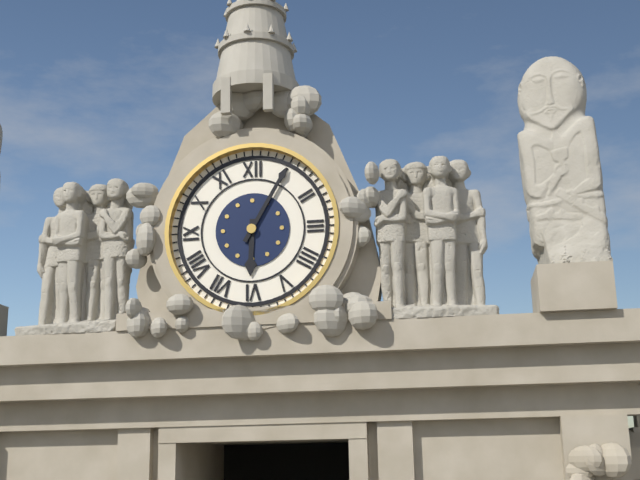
{"hour": 6, "minute": 5}
